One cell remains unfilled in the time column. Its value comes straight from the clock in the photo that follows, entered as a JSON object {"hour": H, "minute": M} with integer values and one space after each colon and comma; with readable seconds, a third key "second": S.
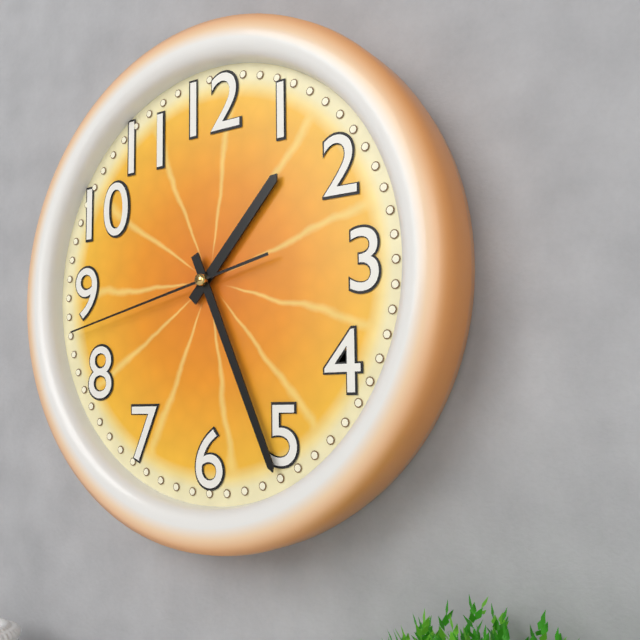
{"hour": 1, "minute": 26, "second": 43}
